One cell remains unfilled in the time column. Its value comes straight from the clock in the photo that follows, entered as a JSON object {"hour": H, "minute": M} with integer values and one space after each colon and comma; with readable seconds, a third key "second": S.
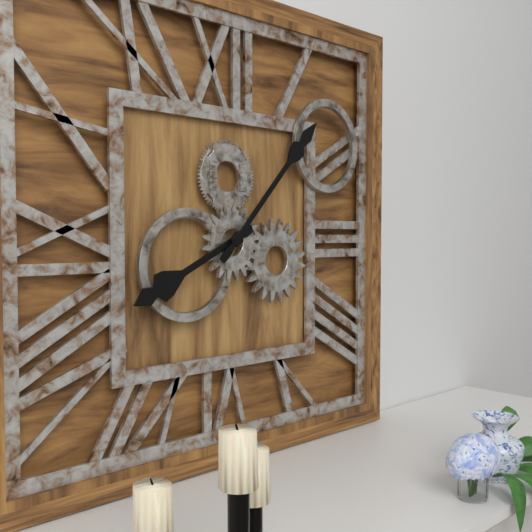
{"hour": 8, "minute": 7}
